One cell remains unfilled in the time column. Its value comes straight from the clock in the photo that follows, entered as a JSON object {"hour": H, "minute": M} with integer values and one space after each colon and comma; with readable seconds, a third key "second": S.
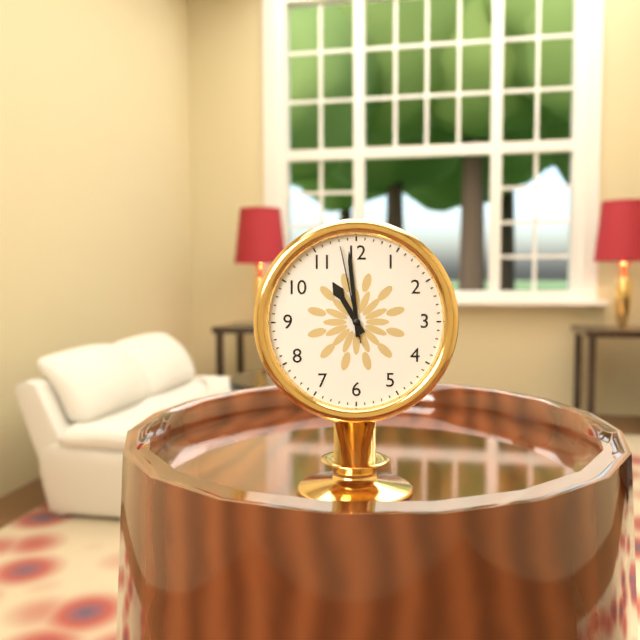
{"hour": 10, "minute": 59, "second": 58}
